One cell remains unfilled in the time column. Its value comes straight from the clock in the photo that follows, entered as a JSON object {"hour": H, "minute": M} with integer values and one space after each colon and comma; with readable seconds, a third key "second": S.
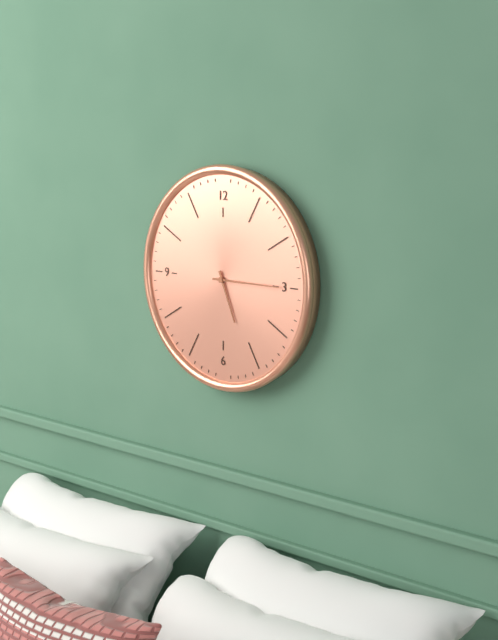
{"hour": 5, "minute": 15}
